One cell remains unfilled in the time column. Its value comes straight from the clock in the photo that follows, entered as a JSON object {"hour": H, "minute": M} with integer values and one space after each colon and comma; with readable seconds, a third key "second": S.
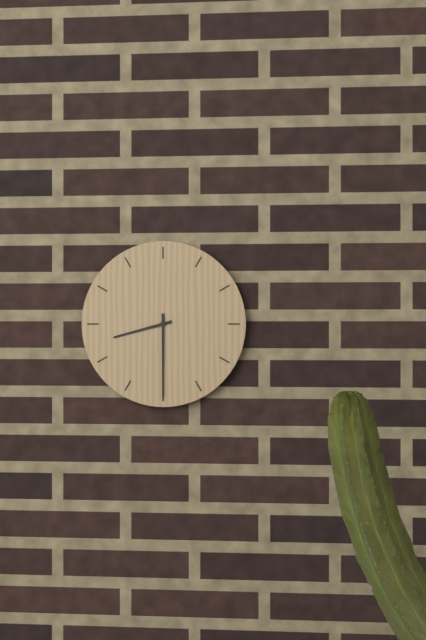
{"hour": 8, "minute": 30}
